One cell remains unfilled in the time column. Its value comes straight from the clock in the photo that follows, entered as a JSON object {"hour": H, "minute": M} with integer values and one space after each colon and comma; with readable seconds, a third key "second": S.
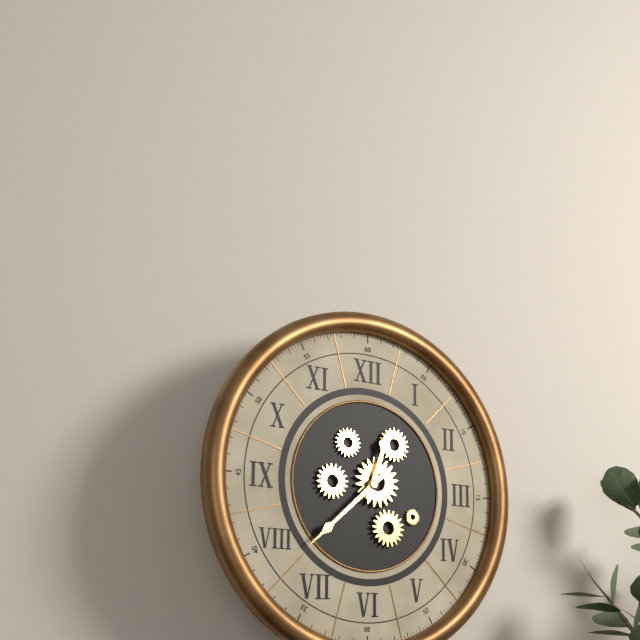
{"hour": 12, "minute": 38}
